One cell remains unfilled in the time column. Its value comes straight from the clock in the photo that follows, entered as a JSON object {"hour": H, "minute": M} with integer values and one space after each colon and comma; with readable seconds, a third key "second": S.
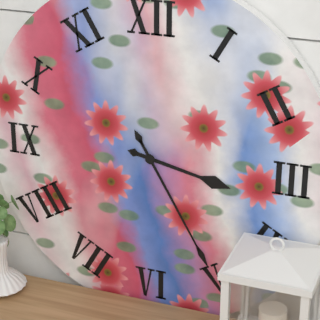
{"hour": 3, "minute": 25}
